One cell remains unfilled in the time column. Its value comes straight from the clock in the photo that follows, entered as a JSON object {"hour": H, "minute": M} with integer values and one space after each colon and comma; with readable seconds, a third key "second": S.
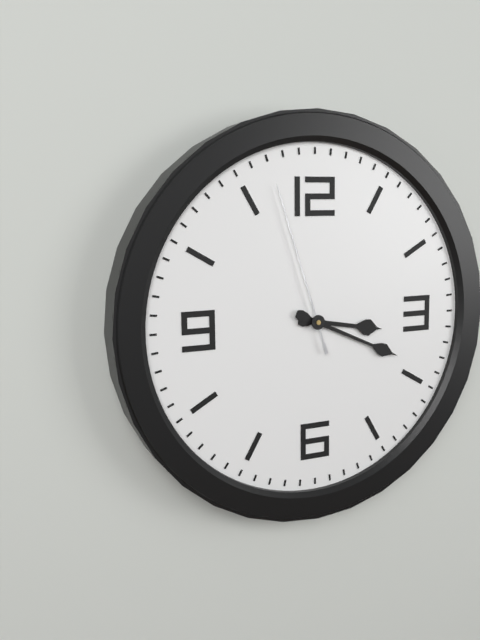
{"hour": 3, "minute": 19, "second": 57}
